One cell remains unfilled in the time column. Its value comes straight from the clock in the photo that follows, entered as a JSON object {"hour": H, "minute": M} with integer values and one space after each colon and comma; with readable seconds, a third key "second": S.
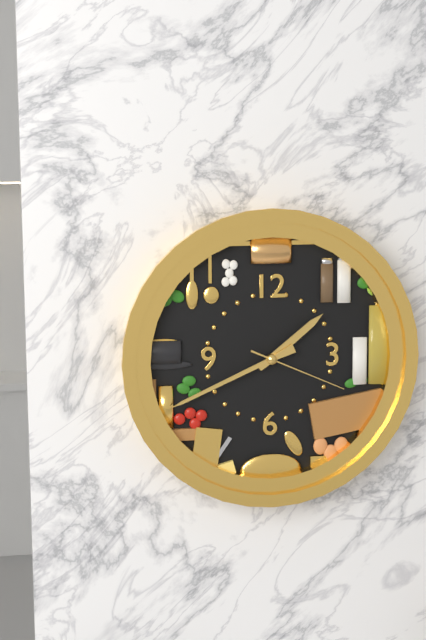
{"hour": 1, "minute": 41, "second": 19}
